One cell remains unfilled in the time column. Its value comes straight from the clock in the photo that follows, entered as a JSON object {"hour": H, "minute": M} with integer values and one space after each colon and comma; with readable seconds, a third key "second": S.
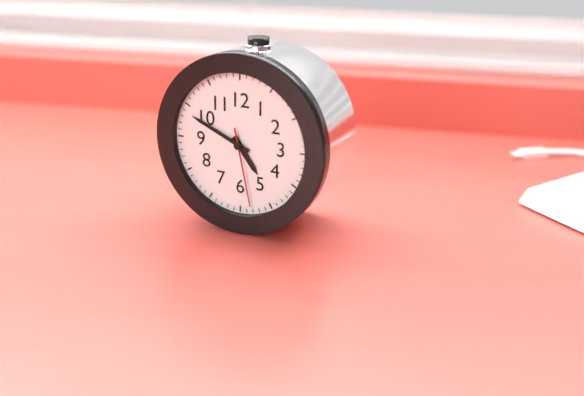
{"hour": 4, "minute": 49, "second": 28}
